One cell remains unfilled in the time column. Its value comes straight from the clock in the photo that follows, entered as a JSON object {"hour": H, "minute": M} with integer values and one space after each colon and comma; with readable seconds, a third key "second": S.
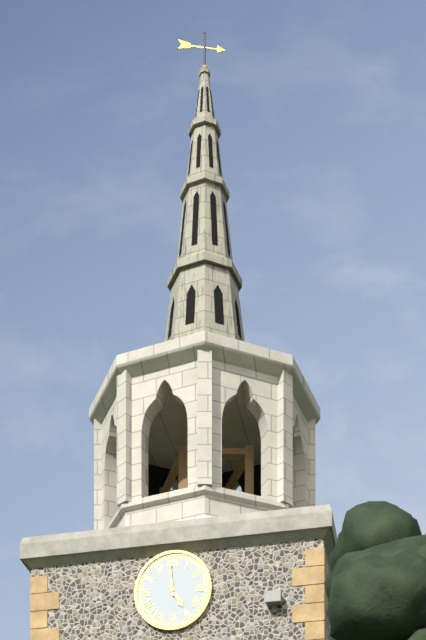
{"hour": 4, "minute": 59}
